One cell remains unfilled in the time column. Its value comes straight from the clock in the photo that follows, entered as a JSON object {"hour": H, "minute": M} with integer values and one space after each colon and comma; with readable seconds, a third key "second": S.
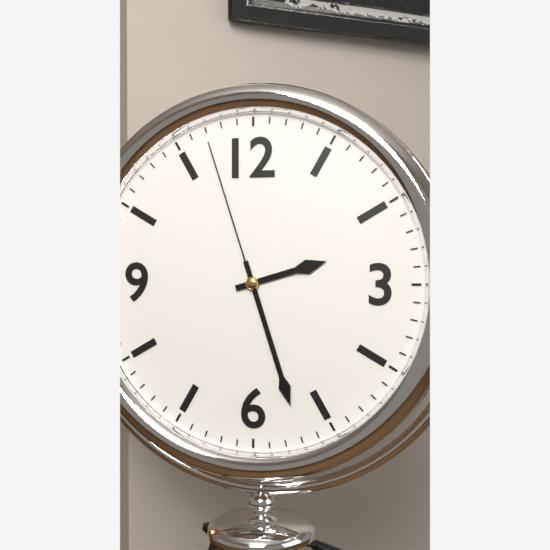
{"hour": 2, "minute": 27, "second": 57}
